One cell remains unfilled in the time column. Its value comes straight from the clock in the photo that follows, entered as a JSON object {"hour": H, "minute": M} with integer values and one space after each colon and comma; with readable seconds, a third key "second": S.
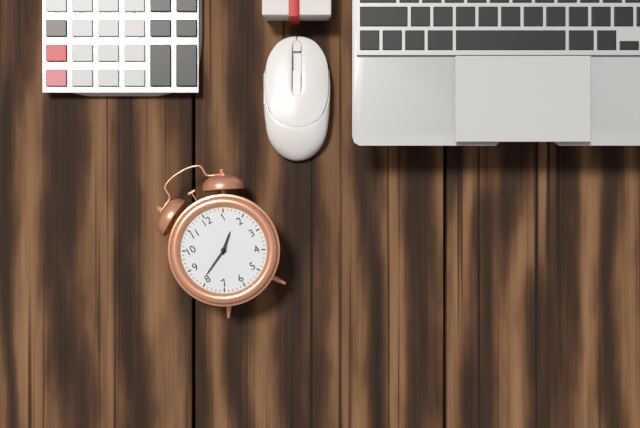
{"hour": 1, "minute": 41}
